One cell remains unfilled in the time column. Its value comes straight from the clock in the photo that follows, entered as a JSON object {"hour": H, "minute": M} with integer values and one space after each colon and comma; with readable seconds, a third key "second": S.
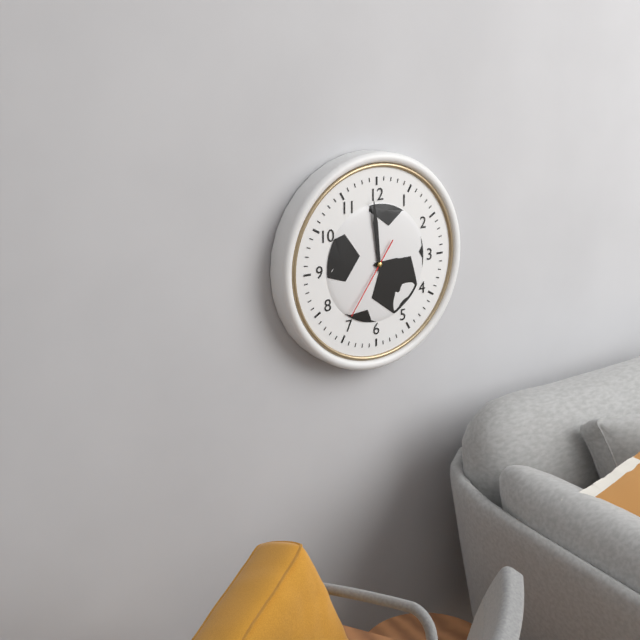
{"hour": 2, "minute": 59, "second": 36}
